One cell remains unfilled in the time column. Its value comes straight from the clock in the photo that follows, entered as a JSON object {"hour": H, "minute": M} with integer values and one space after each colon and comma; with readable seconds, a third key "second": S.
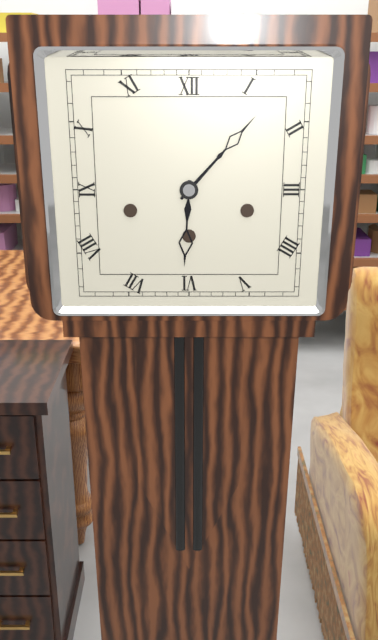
{"hour": 6, "minute": 7}
